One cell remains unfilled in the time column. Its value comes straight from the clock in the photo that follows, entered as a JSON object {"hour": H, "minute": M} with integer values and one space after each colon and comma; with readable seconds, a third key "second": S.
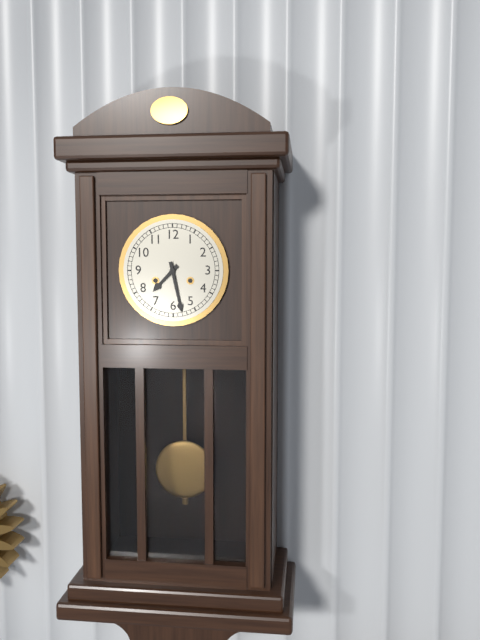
{"hour": 7, "minute": 28}
